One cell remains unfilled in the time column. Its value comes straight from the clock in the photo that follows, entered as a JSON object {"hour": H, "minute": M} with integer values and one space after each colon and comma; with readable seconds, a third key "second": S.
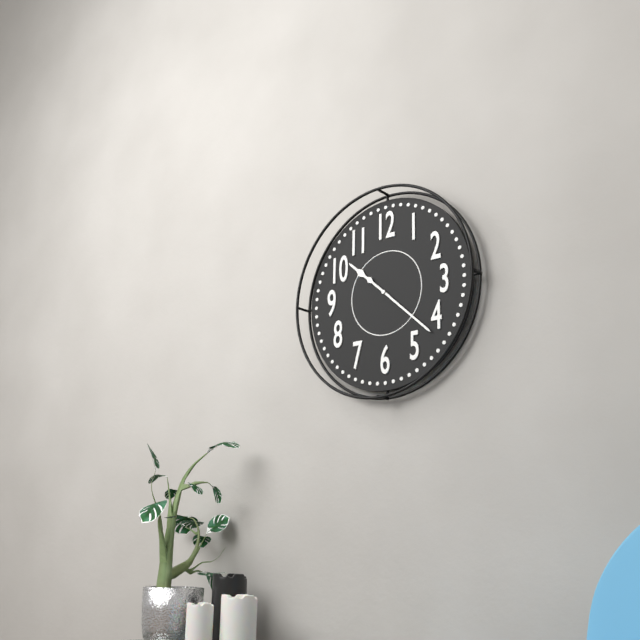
{"hour": 10, "minute": 22}
